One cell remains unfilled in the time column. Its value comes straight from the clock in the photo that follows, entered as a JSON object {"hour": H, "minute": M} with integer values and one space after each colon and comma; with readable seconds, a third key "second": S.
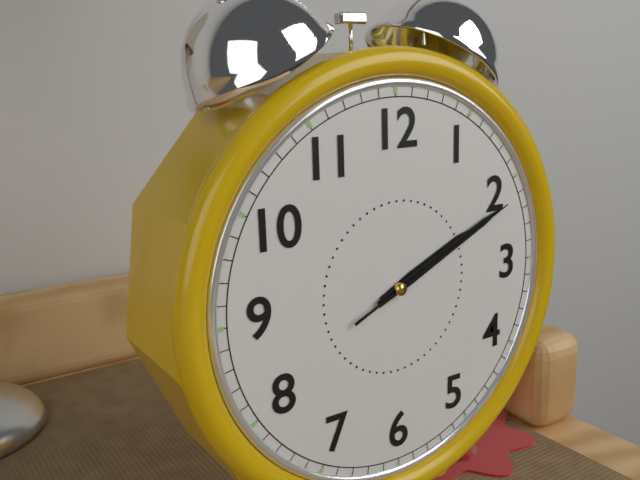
{"hour": 2, "minute": 11, "second": 11}
